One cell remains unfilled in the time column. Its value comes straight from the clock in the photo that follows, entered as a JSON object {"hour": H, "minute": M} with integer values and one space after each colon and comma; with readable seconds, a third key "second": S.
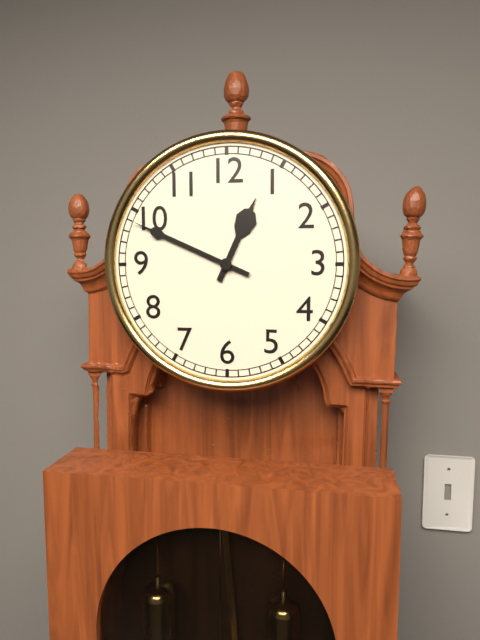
{"hour": 12, "minute": 49}
